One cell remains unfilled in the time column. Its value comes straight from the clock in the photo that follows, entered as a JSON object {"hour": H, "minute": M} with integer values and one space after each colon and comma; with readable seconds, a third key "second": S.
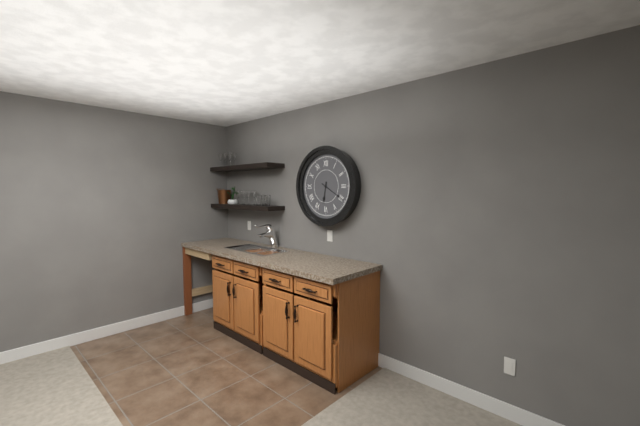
{"hour": 6, "minute": 20}
